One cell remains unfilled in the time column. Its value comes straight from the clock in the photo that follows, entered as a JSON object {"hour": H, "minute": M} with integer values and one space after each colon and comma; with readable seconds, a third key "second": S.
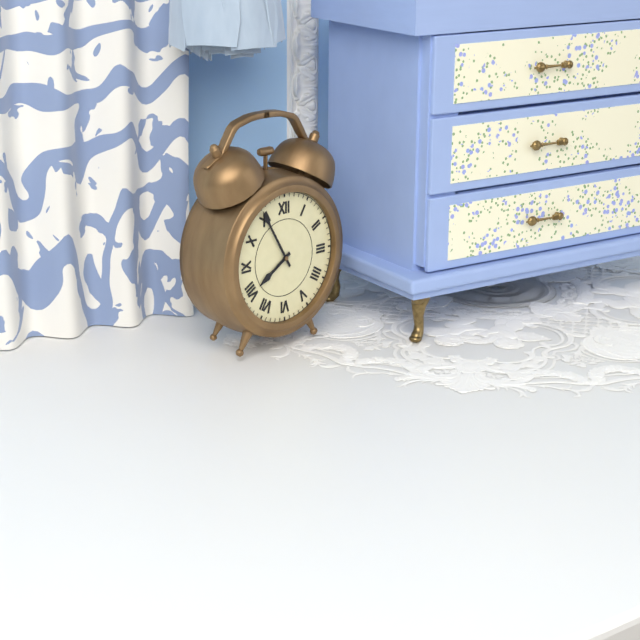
{"hour": 7, "minute": 55}
